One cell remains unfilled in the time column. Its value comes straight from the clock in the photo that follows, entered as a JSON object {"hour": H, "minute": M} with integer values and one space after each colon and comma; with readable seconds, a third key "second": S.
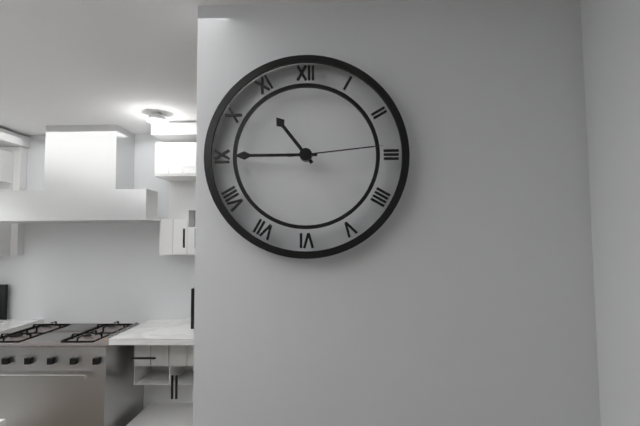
{"hour": 10, "minute": 45, "second": 14}
